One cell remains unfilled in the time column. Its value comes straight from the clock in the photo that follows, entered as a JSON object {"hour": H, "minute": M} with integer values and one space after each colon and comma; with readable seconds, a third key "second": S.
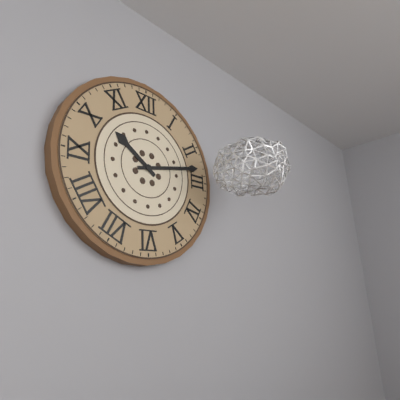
{"hour": 10, "minute": 13}
